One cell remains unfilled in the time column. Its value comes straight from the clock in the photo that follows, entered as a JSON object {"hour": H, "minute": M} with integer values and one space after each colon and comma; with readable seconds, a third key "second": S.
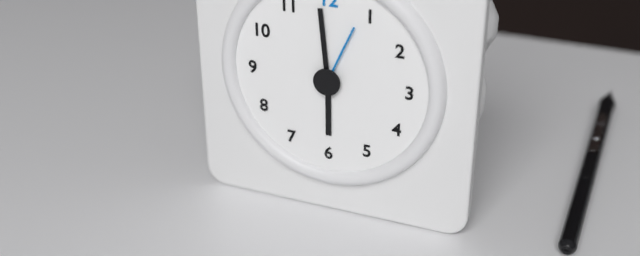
{"hour": 5, "minute": 59, "second": 4}
